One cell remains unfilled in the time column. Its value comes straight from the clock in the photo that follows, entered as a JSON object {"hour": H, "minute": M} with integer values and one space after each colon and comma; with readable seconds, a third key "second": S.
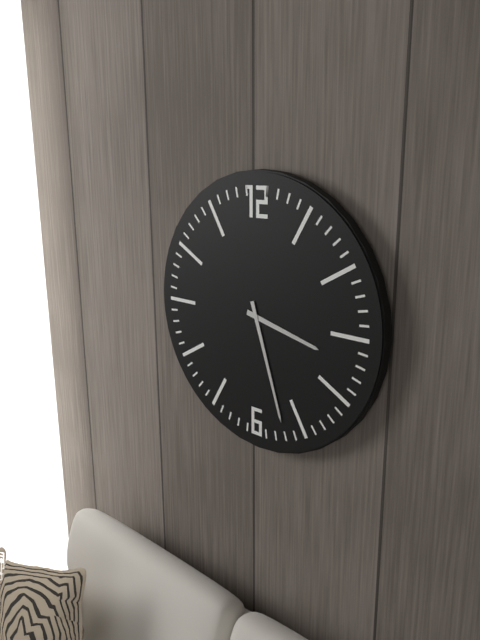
{"hour": 3, "minute": 27}
